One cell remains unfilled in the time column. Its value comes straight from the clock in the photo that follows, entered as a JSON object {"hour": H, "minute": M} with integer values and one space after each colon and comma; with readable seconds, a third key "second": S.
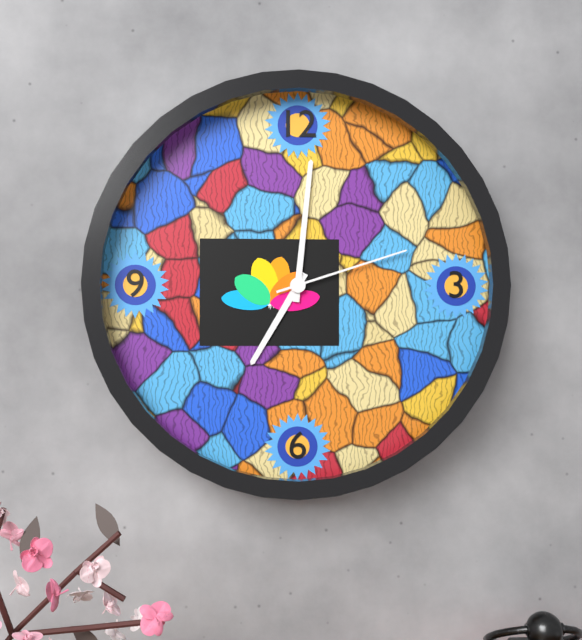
{"hour": 7, "minute": 1, "second": 12}
